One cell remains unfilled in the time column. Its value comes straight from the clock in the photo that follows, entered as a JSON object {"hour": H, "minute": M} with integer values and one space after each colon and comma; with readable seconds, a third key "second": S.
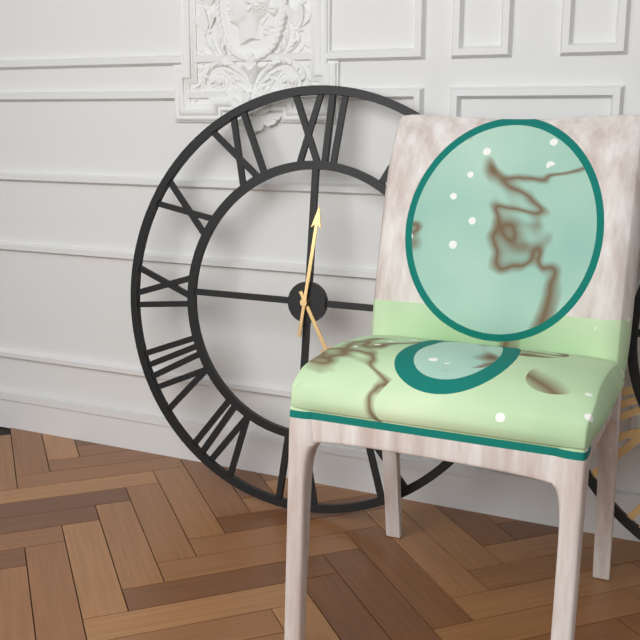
{"hour": 5, "minute": 1}
